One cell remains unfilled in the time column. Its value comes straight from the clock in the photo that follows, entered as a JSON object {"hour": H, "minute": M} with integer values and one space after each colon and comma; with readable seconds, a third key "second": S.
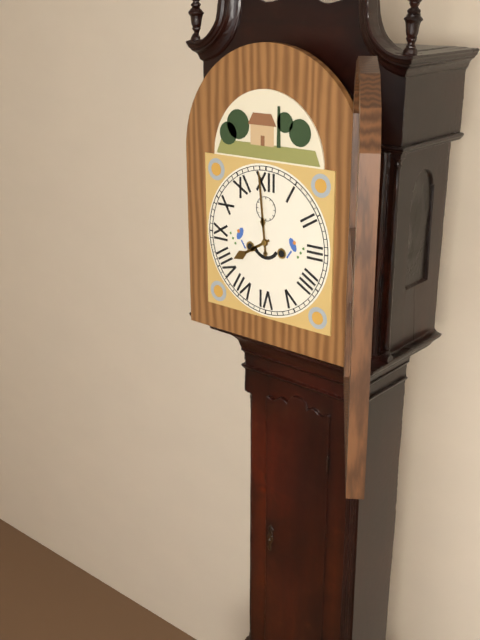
{"hour": 7, "minute": 59}
